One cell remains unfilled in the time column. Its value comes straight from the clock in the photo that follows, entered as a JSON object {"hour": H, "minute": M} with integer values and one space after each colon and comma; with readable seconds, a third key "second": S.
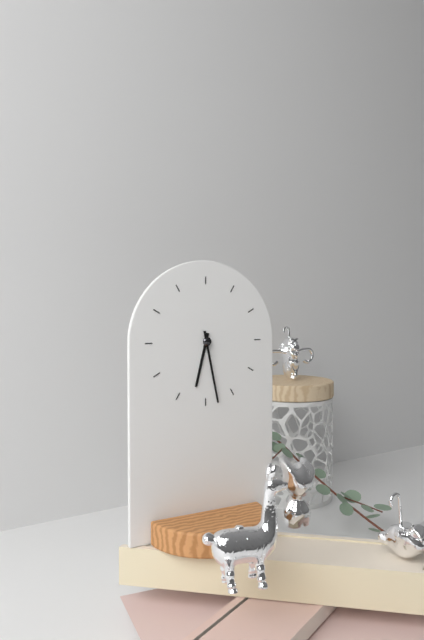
{"hour": 6, "minute": 28}
